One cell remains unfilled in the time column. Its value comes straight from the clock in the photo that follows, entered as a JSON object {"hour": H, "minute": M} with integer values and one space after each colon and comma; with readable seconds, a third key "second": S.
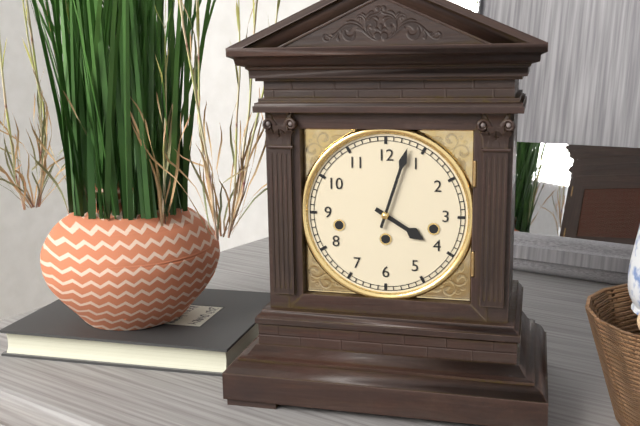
{"hour": 4, "minute": 3}
